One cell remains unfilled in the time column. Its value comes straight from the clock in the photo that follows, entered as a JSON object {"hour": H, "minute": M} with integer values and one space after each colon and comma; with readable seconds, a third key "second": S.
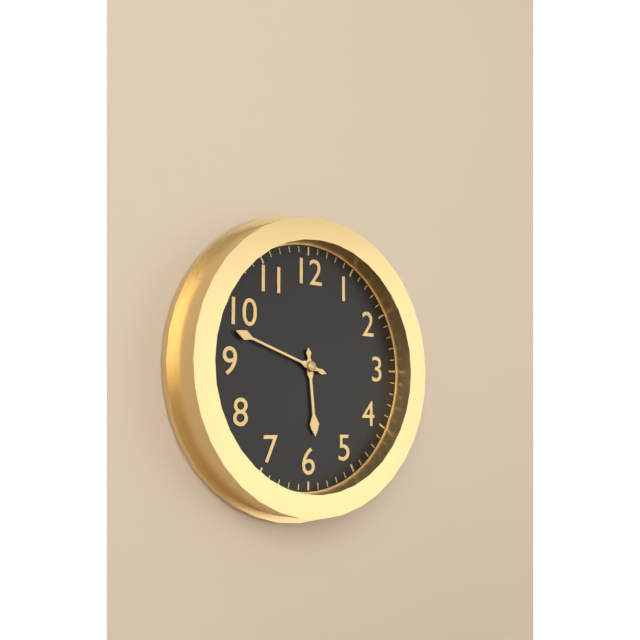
{"hour": 5, "minute": 48}
